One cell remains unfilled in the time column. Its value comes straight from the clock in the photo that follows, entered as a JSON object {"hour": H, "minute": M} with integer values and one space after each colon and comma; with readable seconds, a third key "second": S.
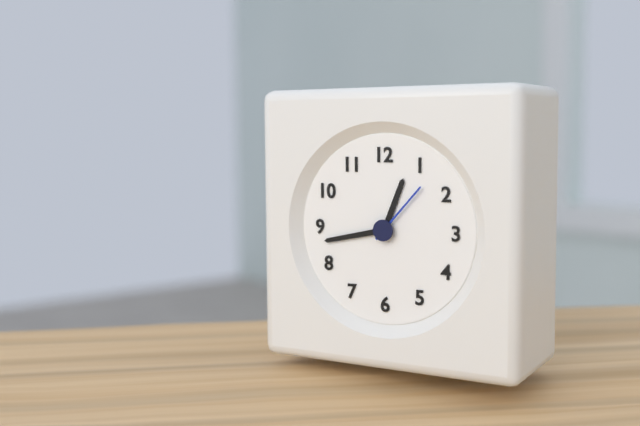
{"hour": 12, "minute": 43, "second": 7}
